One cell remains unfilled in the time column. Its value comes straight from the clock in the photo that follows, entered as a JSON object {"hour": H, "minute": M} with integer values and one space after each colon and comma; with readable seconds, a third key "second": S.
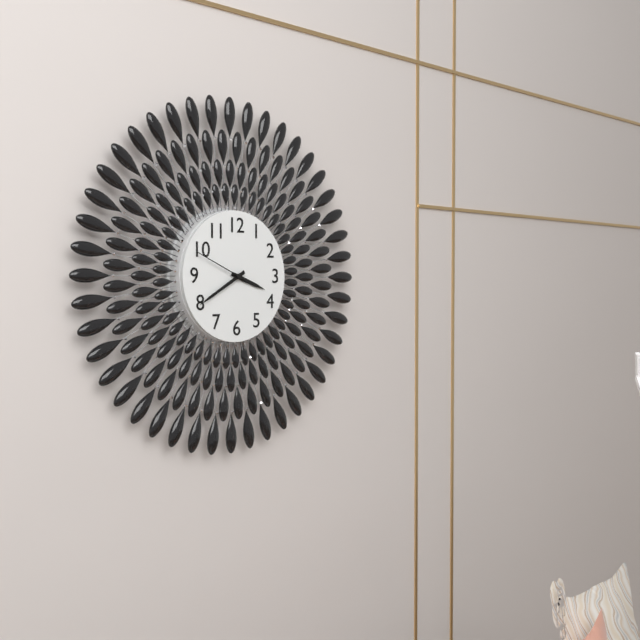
{"hour": 3, "minute": 40, "second": 49}
